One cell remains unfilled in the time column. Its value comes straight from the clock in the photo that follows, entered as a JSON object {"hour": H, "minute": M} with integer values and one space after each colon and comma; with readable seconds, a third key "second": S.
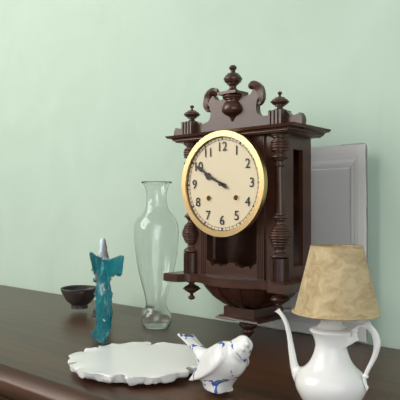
{"hour": 9, "minute": 50}
